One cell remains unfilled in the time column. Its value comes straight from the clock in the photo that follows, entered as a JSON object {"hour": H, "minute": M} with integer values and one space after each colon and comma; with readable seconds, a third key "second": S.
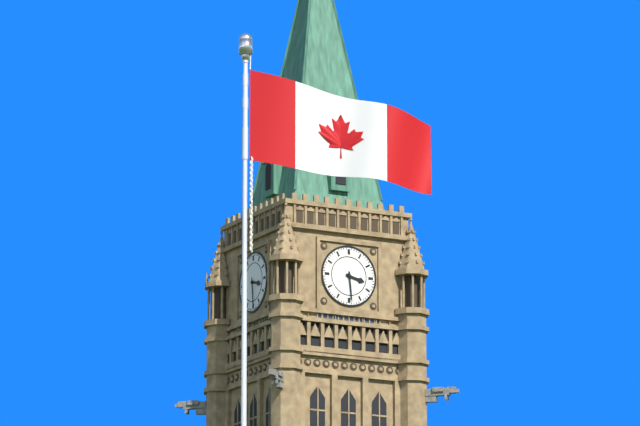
{"hour": 3, "minute": 29}
